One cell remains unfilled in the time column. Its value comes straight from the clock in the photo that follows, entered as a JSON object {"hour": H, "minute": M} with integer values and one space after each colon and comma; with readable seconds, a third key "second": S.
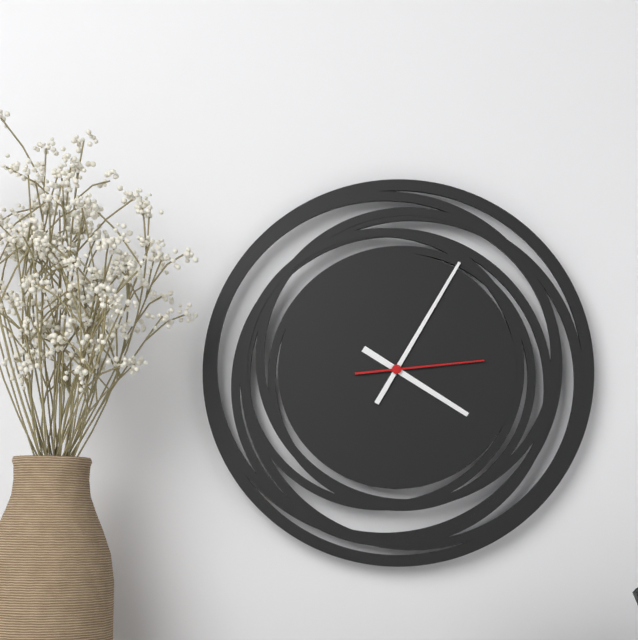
{"hour": 4, "minute": 5, "second": 14}
